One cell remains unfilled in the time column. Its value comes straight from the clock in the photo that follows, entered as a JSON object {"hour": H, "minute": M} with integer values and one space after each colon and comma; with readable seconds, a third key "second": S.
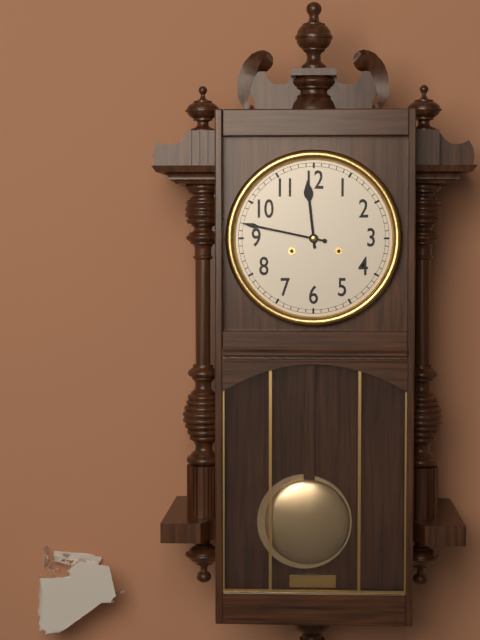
{"hour": 11, "minute": 47}
